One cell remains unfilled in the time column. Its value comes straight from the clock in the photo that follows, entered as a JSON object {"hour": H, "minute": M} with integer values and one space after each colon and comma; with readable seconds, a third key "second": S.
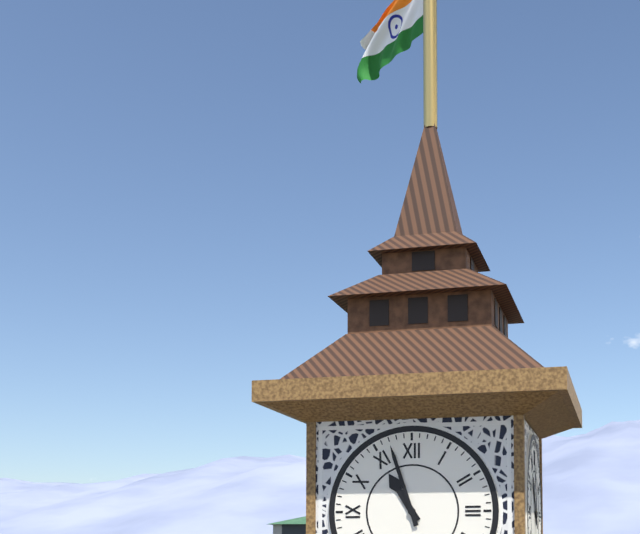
{"hour": 10, "minute": 57}
